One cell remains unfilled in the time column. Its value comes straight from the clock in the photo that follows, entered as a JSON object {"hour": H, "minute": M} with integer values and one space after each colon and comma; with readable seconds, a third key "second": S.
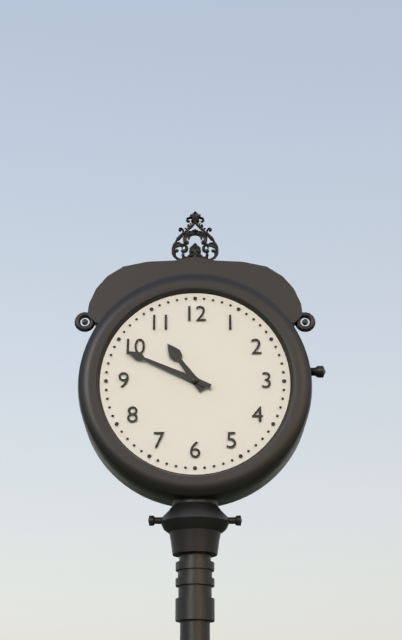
{"hour": 10, "minute": 49}
